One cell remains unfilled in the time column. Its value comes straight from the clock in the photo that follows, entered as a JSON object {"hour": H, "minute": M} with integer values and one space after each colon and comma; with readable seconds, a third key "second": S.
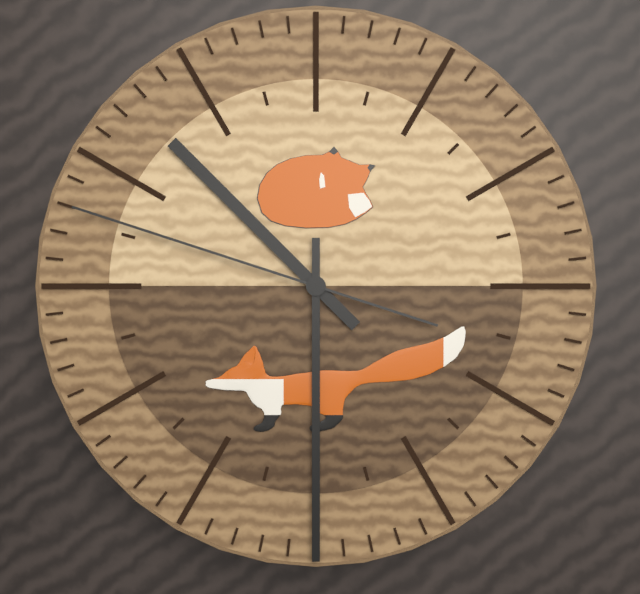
{"hour": 10, "minute": 30, "second": 48}
